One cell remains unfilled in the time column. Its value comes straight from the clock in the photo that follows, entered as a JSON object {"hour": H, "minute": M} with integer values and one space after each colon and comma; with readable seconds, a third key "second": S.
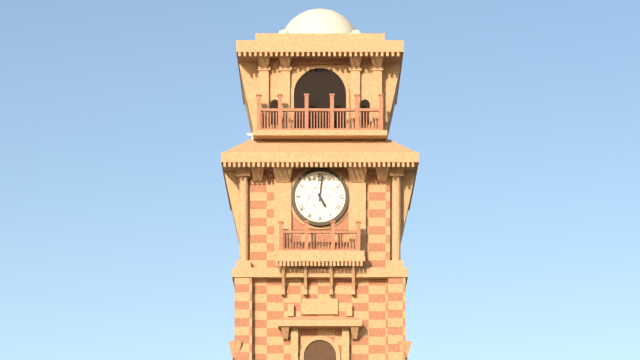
{"hour": 5, "minute": 1}
